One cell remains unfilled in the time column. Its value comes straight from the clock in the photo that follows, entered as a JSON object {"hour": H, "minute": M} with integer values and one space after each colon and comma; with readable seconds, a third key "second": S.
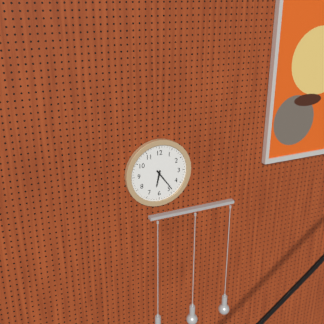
{"hour": 6, "minute": 24}
